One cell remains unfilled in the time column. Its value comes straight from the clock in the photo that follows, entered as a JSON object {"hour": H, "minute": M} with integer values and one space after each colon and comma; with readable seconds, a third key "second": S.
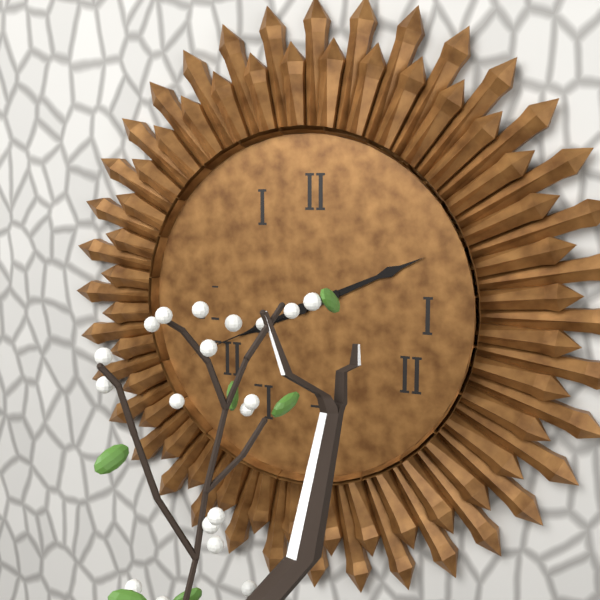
{"hour": 8, "minute": 11, "second": 41}
